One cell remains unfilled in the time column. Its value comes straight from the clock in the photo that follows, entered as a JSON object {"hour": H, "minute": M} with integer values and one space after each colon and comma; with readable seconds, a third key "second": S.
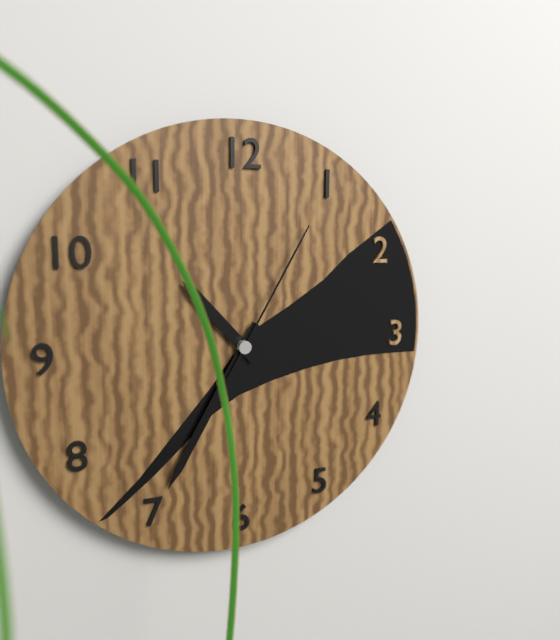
{"hour": 10, "minute": 35, "second": 5}
